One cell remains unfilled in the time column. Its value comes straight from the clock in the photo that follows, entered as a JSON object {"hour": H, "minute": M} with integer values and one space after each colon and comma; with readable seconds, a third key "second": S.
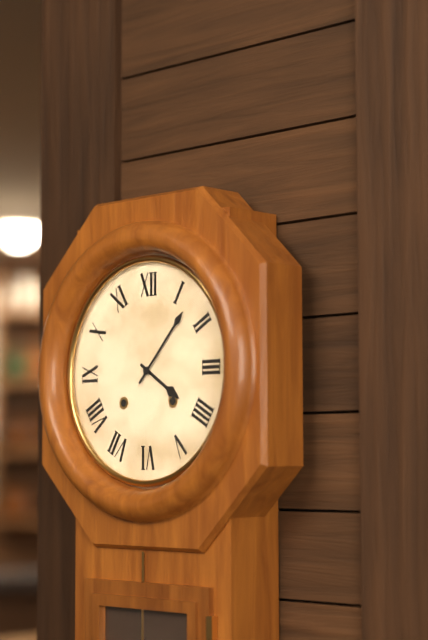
{"hour": 4, "minute": 7}
